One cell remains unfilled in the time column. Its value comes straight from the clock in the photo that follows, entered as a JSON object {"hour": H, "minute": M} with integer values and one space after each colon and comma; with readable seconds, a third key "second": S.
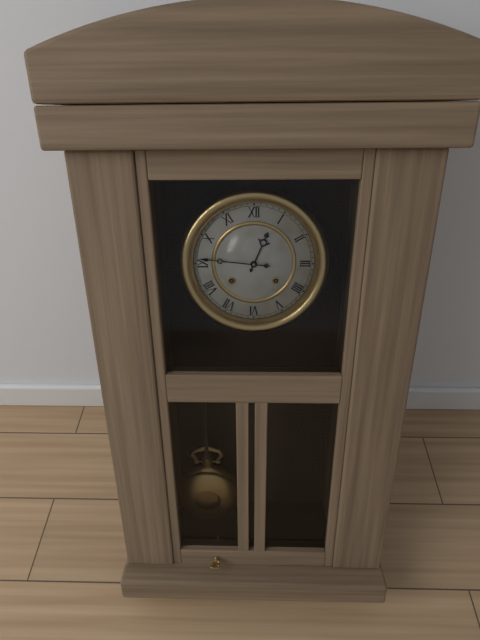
{"hour": 12, "minute": 46}
